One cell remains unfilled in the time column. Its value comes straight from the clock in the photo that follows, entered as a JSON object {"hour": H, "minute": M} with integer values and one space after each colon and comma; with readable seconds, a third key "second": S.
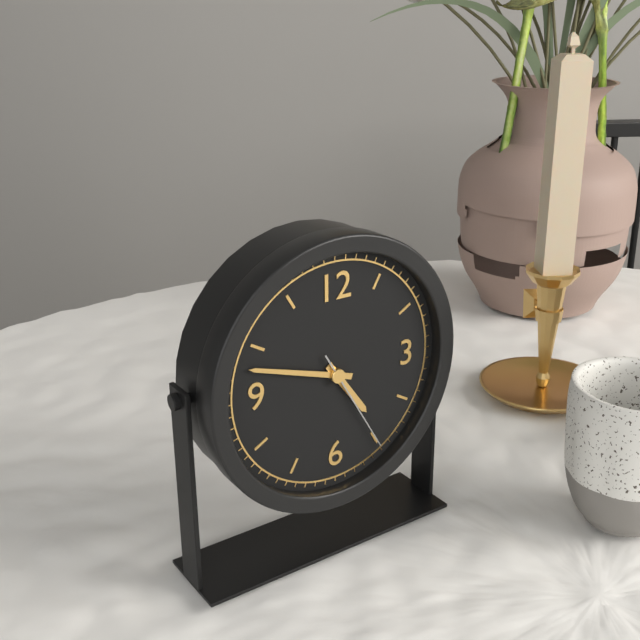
{"hour": 4, "minute": 48, "second": 25}
